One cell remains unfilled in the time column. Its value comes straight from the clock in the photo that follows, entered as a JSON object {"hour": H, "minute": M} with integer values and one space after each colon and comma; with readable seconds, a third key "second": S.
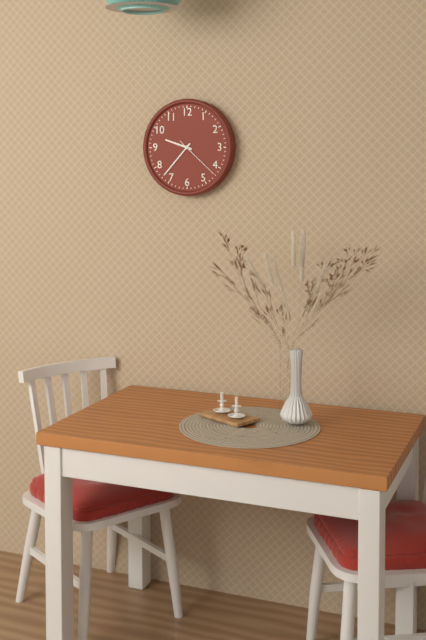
{"hour": 9, "minute": 37}
